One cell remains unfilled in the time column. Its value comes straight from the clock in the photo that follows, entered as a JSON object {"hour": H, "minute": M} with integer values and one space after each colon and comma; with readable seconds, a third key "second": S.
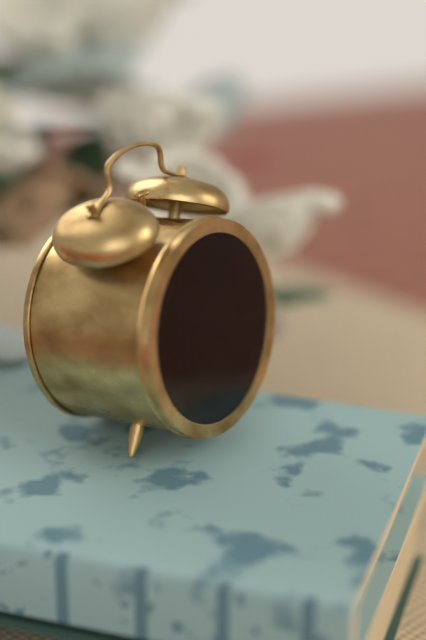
{"hour": 5, "minute": 3}
